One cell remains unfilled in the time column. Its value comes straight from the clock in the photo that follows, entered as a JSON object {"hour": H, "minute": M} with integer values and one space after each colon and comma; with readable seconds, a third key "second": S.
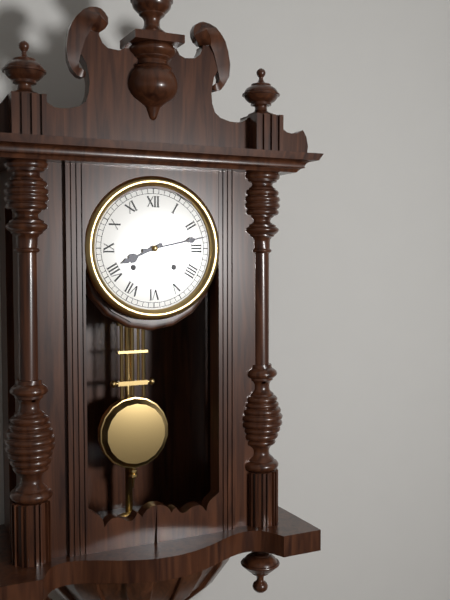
{"hour": 8, "minute": 13}
